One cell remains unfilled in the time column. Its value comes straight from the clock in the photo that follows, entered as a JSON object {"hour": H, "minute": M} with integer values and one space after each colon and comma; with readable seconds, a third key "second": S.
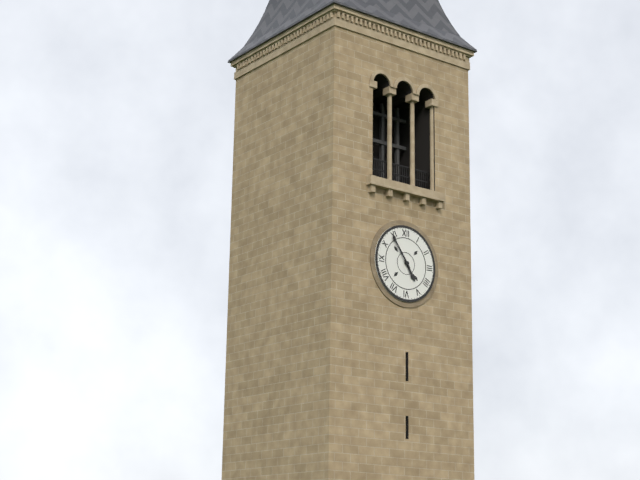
{"hour": 4, "minute": 54}
